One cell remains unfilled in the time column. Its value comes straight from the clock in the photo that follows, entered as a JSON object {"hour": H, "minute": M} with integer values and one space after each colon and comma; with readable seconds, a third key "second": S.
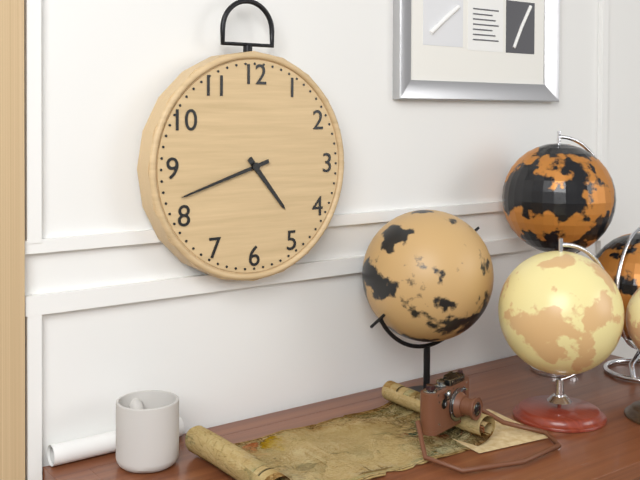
{"hour": 4, "minute": 42}
